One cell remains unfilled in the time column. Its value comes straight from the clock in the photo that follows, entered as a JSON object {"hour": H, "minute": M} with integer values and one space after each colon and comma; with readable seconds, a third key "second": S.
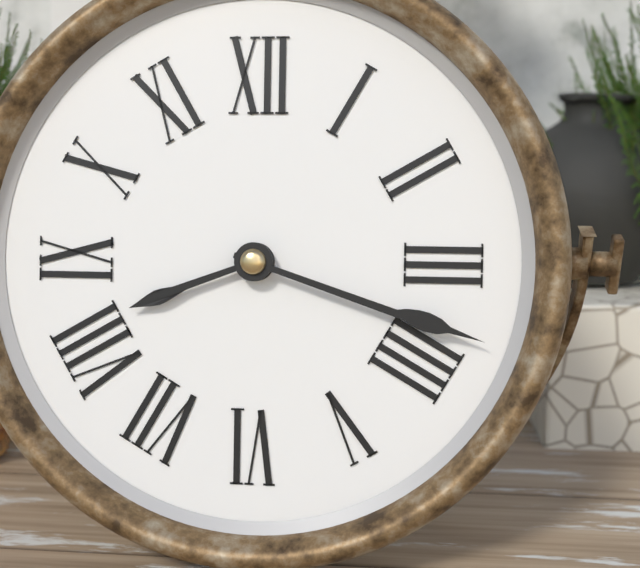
{"hour": 8, "minute": 18}
